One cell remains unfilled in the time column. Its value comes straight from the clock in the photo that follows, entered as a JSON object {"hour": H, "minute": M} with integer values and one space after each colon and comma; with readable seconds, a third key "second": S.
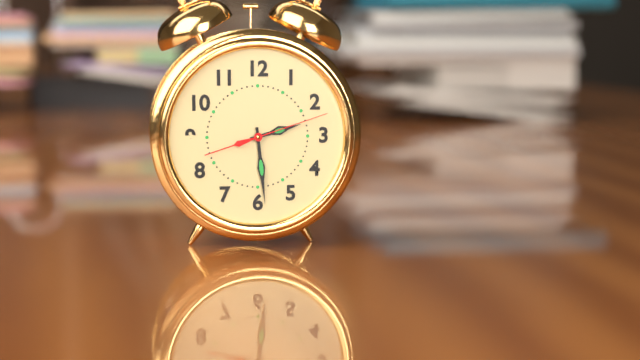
{"hour": 2, "minute": 29, "second": 12}
